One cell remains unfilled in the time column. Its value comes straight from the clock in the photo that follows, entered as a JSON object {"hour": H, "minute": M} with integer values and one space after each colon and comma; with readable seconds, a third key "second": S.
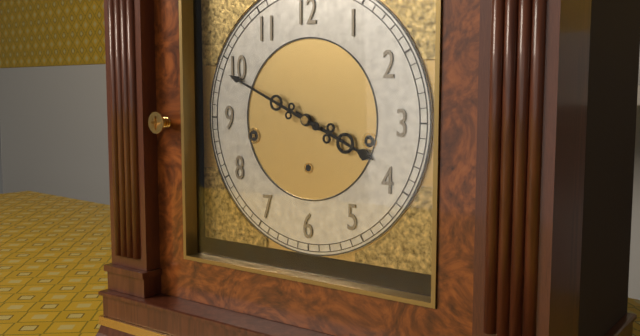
{"hour": 3, "minute": 49}
